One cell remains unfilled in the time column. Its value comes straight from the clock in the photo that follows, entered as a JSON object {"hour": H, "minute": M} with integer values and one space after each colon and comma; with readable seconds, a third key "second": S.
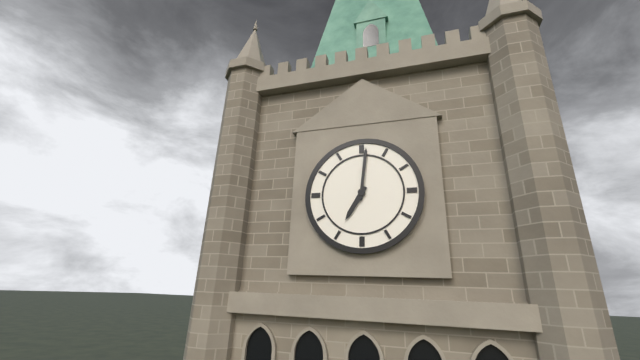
{"hour": 7, "minute": 1}
